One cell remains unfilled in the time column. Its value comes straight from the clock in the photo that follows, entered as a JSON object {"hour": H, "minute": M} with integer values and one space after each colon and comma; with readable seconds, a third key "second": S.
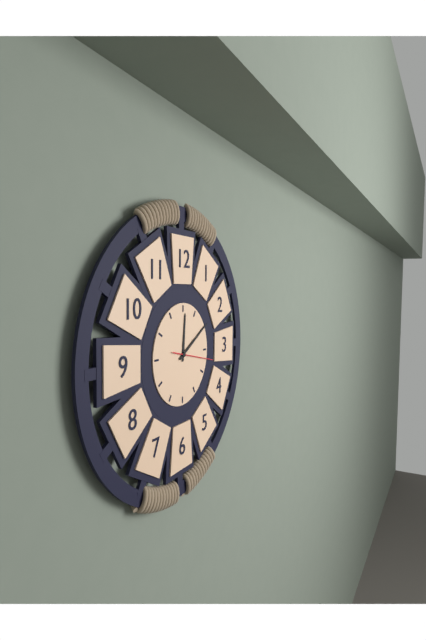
{"hour": 12, "minute": 10}
